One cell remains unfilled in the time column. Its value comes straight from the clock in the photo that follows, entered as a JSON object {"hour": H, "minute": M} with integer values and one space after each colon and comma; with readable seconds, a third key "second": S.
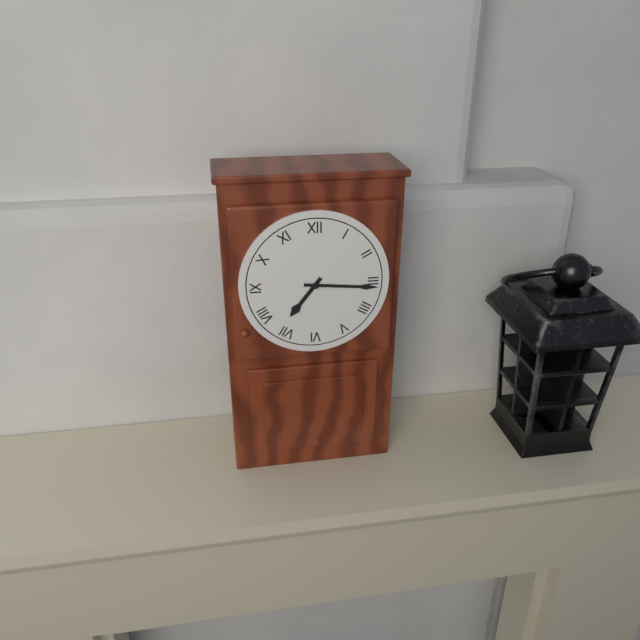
{"hour": 7, "minute": 16}
